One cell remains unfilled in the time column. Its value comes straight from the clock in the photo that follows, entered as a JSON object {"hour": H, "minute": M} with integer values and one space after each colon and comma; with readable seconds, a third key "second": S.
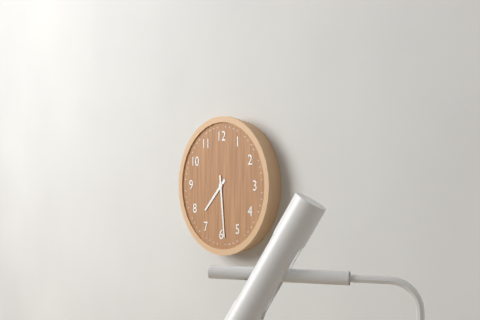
{"hour": 7, "minute": 29}
